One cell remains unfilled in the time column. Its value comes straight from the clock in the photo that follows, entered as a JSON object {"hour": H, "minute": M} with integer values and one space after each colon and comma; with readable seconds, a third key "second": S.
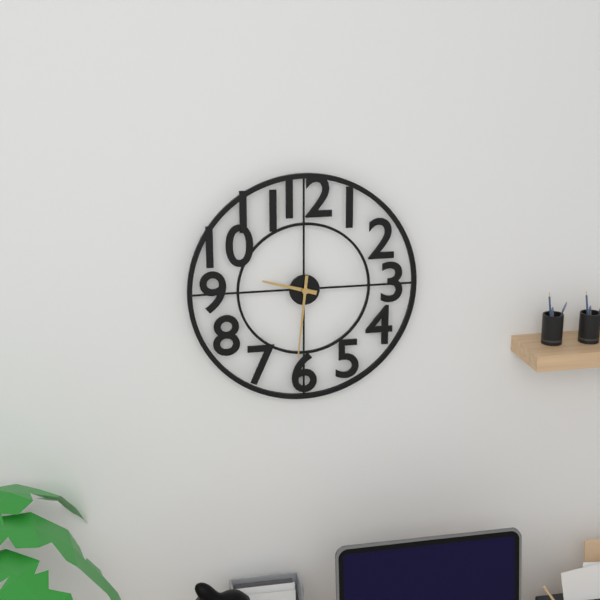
{"hour": 9, "minute": 31}
